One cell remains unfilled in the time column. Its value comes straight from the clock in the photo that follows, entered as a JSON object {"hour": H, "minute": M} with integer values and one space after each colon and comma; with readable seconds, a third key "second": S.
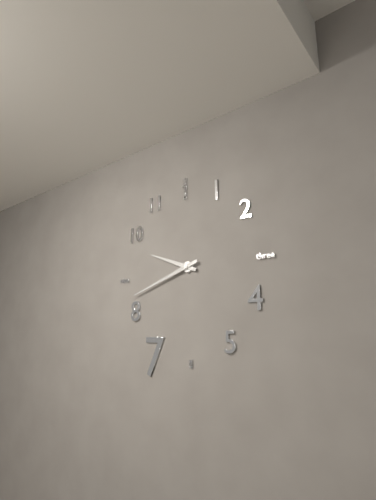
{"hour": 9, "minute": 42}
